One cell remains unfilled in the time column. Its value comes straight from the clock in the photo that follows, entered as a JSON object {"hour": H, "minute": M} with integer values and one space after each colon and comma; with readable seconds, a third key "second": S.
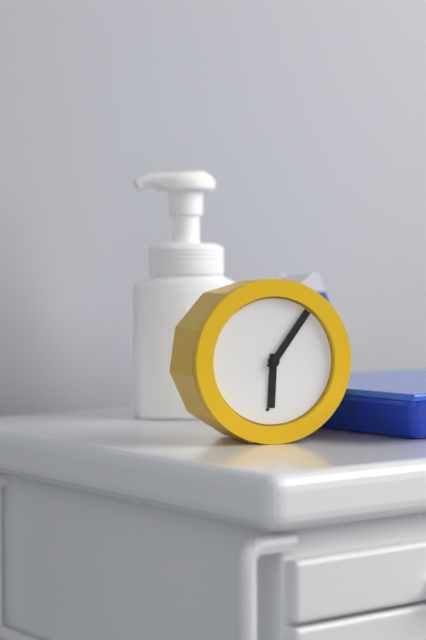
{"hour": 6, "minute": 6}
